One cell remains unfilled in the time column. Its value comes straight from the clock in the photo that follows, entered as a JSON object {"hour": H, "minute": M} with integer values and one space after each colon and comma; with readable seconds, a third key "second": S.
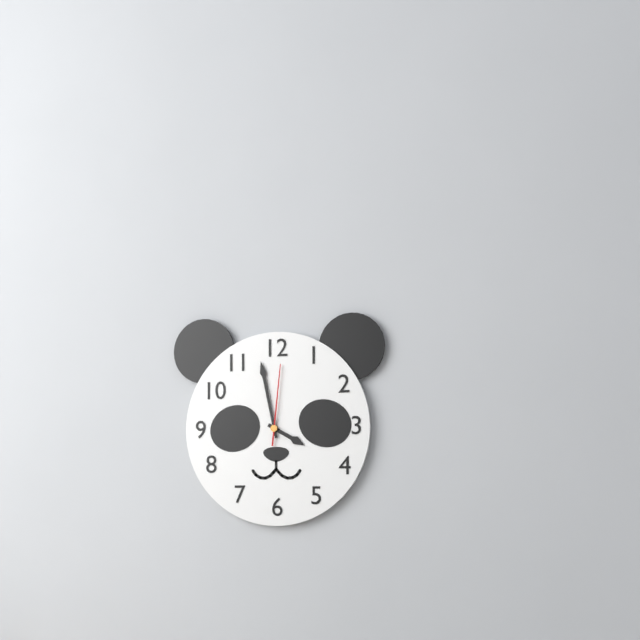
{"hour": 3, "minute": 58, "second": 1}
